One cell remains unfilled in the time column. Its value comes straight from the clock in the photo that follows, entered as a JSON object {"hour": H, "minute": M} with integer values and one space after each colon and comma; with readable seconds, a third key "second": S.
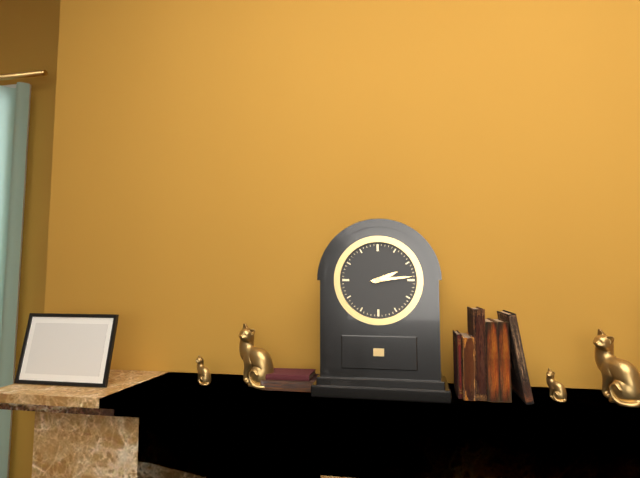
{"hour": 2, "minute": 14}
